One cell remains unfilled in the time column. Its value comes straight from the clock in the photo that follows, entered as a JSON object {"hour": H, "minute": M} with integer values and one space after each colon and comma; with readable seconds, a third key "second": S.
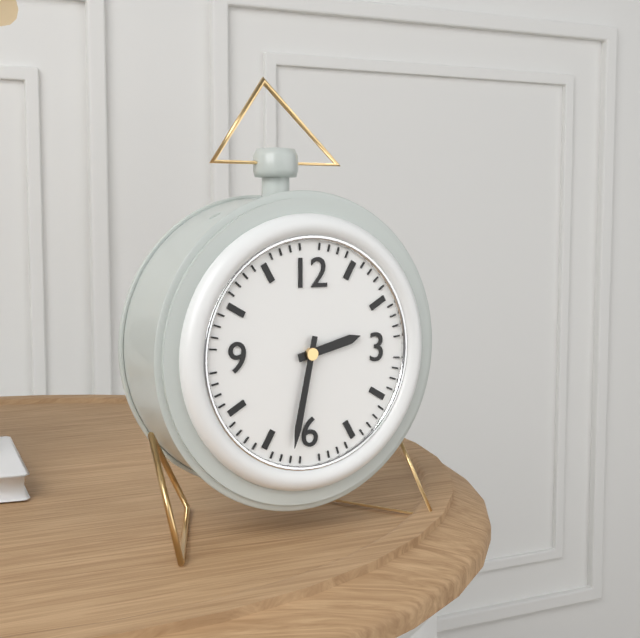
{"hour": 2, "minute": 32}
